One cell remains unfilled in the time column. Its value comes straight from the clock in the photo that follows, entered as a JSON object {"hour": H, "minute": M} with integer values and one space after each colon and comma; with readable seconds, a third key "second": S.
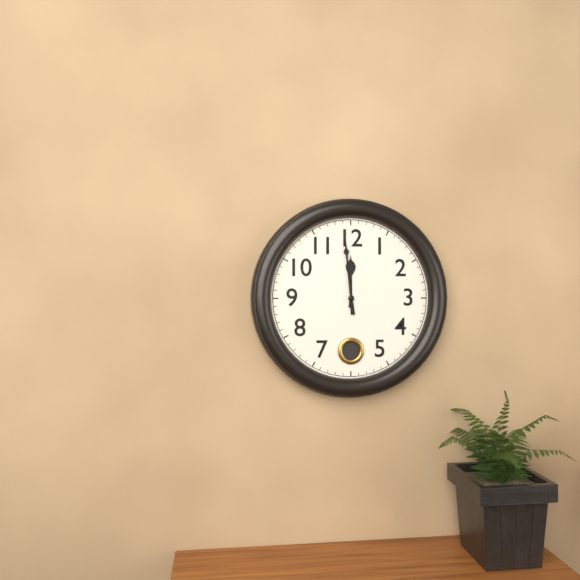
{"hour": 11, "minute": 59}
